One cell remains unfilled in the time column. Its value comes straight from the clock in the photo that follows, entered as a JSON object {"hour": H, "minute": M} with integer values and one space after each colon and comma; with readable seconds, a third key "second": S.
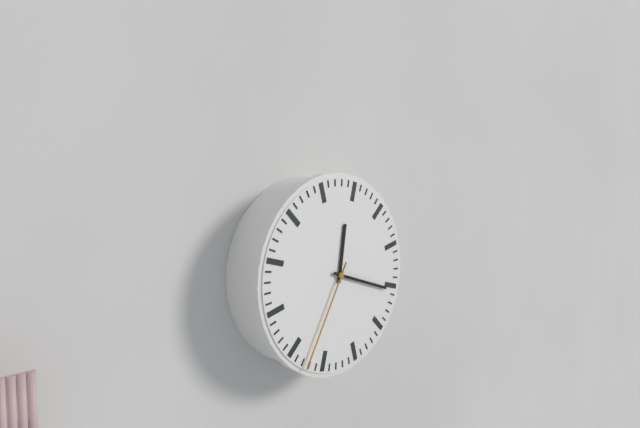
{"hour": 12, "minute": 18, "second": 35}
